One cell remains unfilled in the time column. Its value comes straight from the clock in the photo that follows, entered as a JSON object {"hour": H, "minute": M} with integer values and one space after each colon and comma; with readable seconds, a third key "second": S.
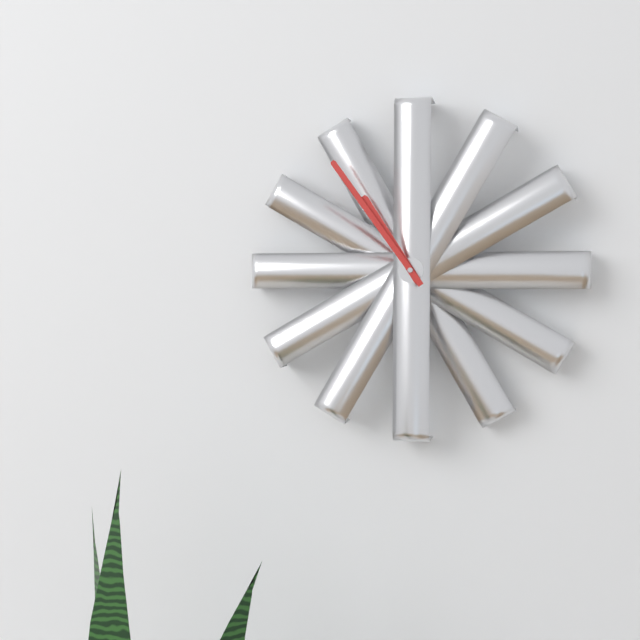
{"hour": 10, "minute": 54}
